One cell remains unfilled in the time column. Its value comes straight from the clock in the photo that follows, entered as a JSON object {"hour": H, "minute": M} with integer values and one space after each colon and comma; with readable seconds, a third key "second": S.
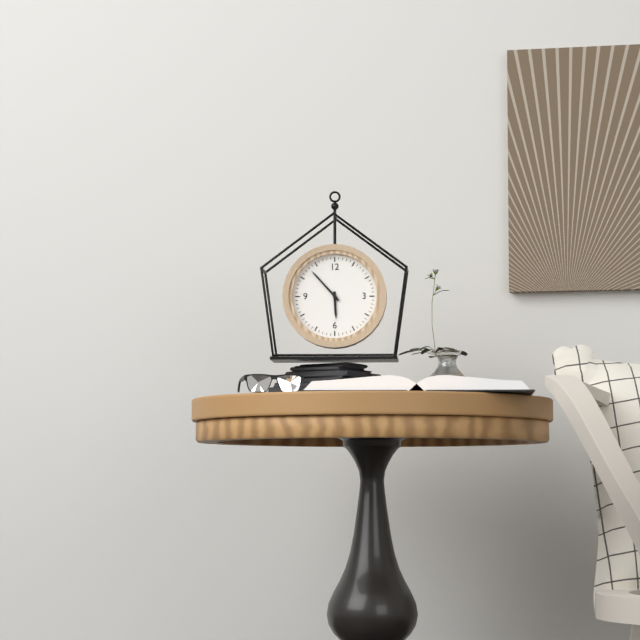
{"hour": 5, "minute": 53}
